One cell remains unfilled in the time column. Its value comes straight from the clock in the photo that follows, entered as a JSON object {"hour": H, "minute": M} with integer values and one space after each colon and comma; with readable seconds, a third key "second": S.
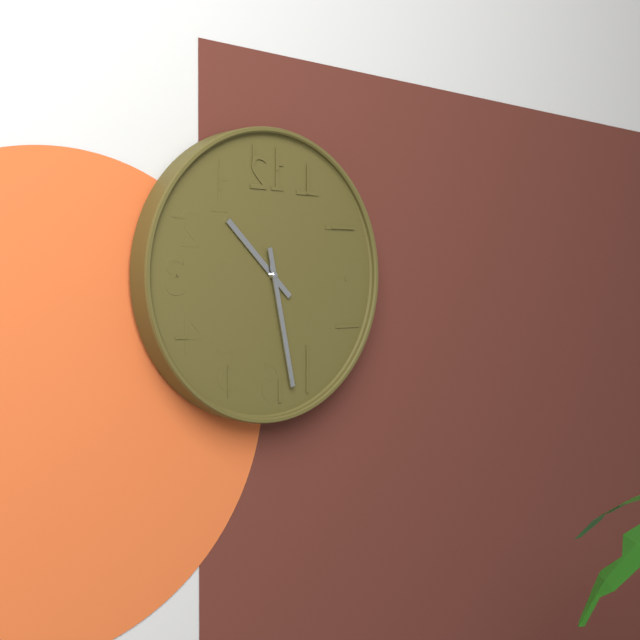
{"hour": 10, "minute": 28}
